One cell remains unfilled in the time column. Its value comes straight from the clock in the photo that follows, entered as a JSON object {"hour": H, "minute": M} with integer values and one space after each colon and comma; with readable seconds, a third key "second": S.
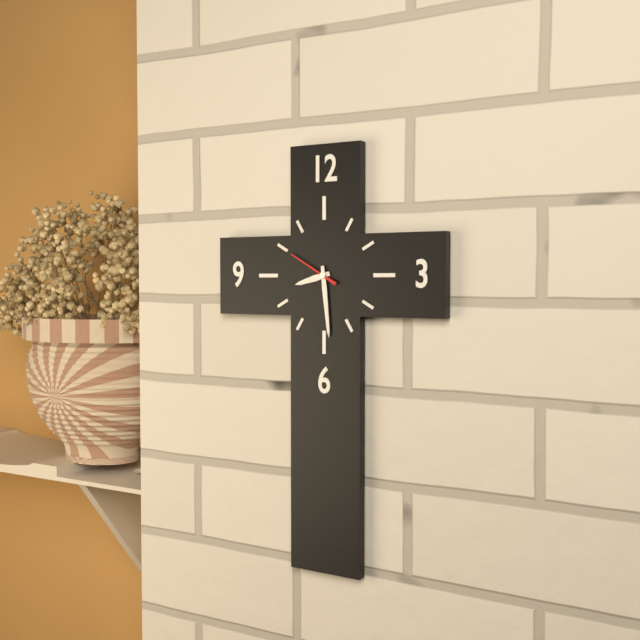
{"hour": 8, "minute": 29}
